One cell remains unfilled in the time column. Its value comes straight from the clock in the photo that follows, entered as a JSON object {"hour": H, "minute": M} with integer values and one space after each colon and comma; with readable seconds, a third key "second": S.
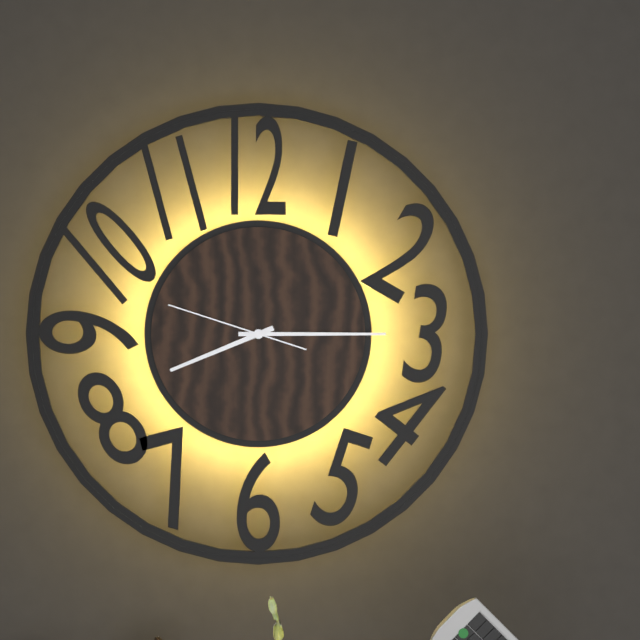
{"hour": 8, "minute": 15, "second": 48}
